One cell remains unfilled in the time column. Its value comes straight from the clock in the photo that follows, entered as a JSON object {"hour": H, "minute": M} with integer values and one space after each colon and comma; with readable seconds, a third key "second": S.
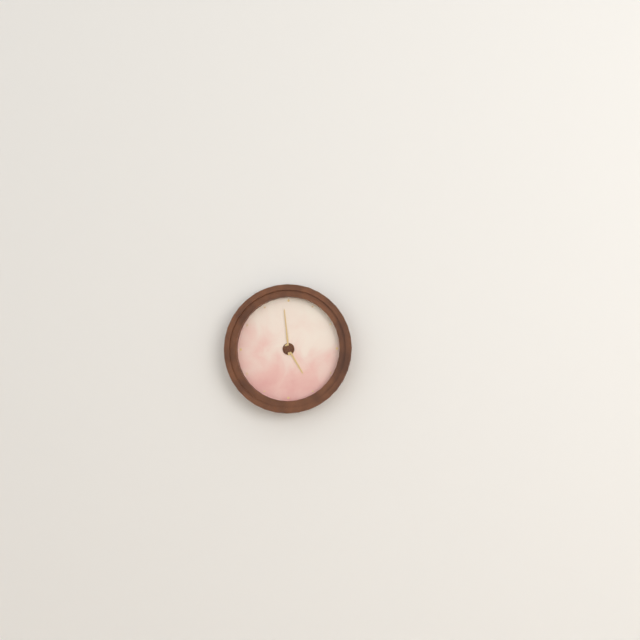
{"hour": 4, "minute": 59}
